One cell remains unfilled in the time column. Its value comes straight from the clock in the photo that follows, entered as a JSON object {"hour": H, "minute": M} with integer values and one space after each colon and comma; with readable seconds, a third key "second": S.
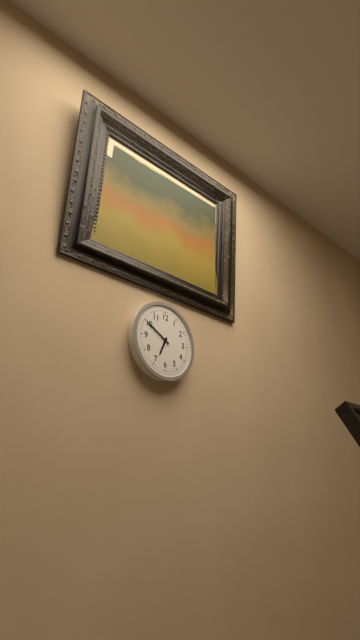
{"hour": 6, "minute": 50}
